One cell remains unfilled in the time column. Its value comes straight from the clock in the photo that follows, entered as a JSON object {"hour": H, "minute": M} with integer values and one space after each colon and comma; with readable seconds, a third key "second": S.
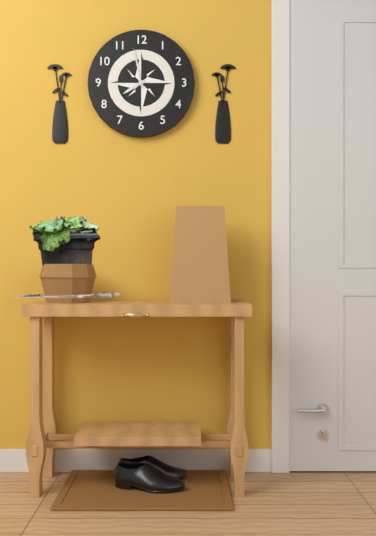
{"hour": 7, "minute": 58}
